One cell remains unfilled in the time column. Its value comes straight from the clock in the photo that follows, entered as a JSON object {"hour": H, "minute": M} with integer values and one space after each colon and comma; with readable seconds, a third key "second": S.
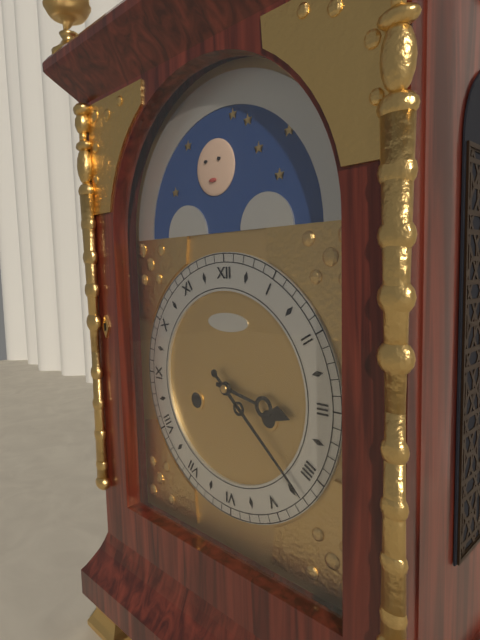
{"hour": 3, "minute": 22}
